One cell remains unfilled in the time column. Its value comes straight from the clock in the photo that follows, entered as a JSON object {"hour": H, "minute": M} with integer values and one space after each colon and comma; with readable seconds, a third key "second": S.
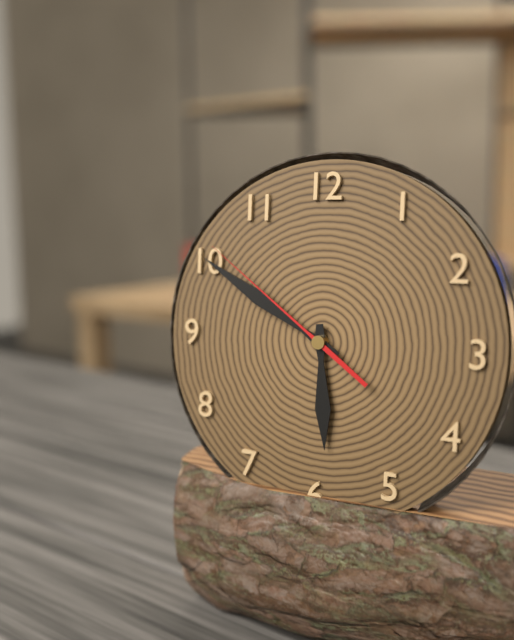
{"hour": 5, "minute": 50, "second": 51}
